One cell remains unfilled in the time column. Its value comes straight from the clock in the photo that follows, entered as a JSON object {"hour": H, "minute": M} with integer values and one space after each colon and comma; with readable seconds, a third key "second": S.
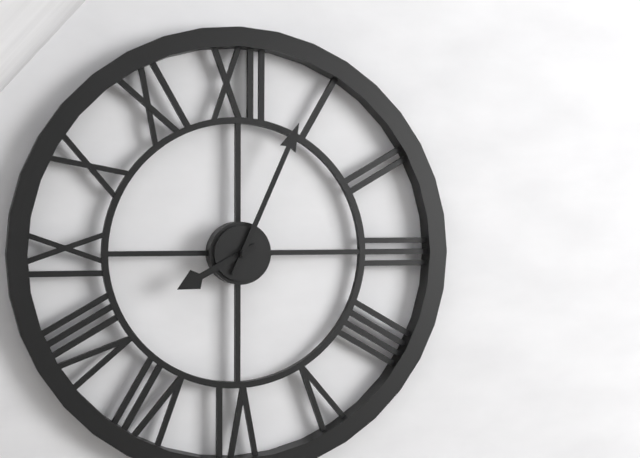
{"hour": 8, "minute": 4}
